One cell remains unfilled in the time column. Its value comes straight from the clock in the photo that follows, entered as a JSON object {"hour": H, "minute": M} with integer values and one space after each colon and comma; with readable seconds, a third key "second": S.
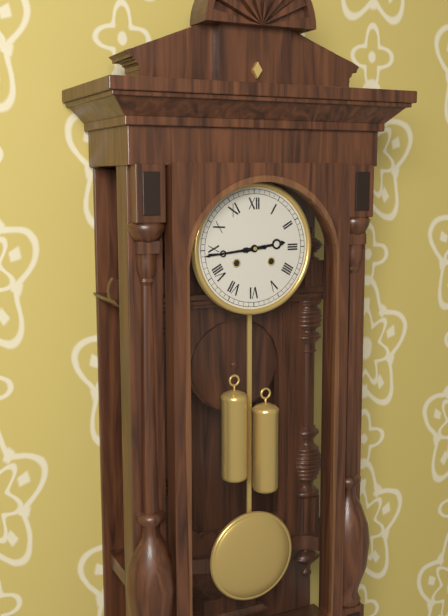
{"hour": 2, "minute": 44}
